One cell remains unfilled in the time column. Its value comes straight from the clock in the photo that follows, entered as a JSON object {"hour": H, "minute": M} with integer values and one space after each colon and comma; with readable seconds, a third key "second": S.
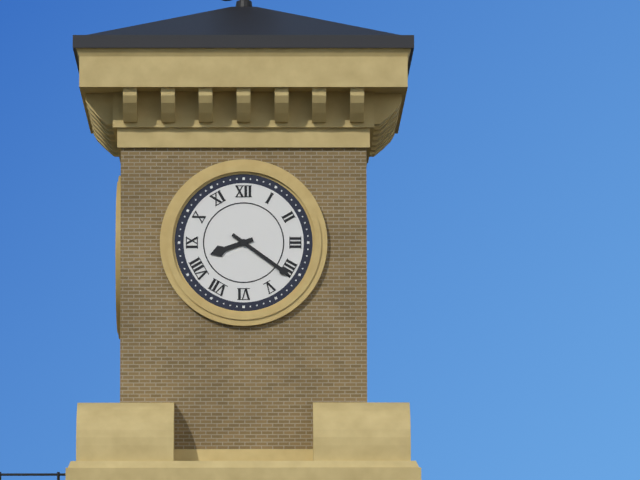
{"hour": 8, "minute": 21}
